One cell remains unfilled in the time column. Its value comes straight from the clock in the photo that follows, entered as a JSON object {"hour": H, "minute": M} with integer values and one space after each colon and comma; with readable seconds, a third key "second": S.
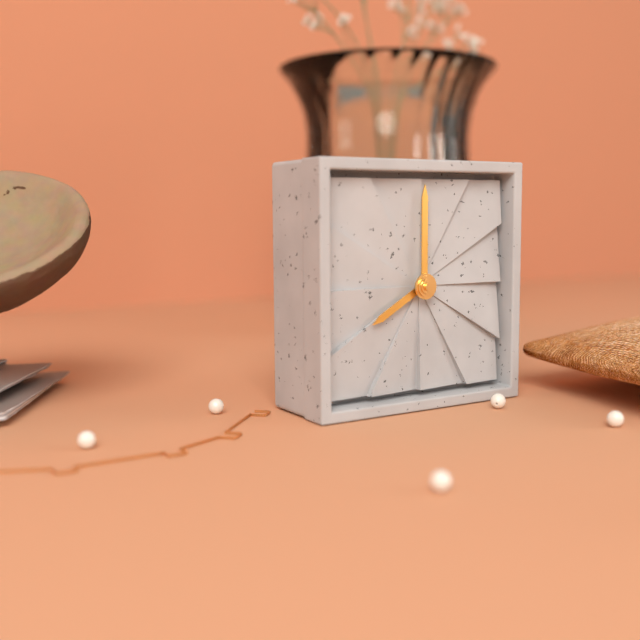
{"hour": 8, "minute": 0}
